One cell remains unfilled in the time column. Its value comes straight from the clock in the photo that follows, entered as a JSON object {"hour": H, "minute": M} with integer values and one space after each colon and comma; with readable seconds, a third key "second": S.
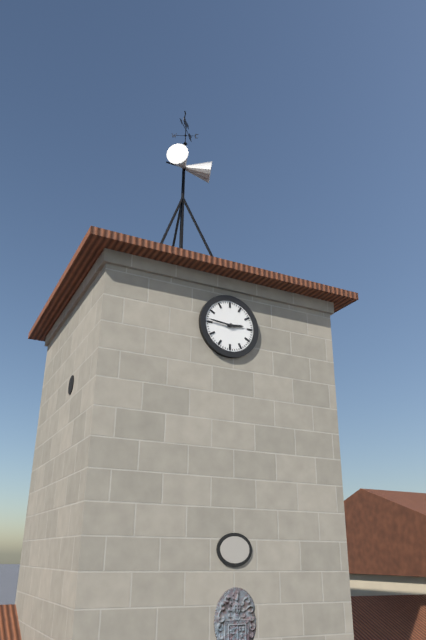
{"hour": 2, "minute": 46}
